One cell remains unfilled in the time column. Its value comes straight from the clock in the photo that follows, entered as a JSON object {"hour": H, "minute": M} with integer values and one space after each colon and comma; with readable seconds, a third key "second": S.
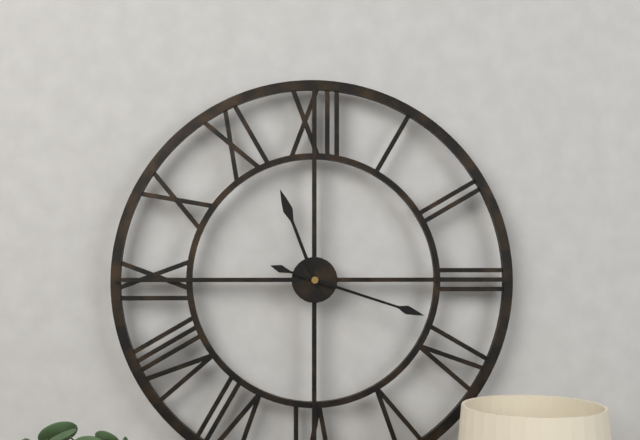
{"hour": 11, "minute": 18}
